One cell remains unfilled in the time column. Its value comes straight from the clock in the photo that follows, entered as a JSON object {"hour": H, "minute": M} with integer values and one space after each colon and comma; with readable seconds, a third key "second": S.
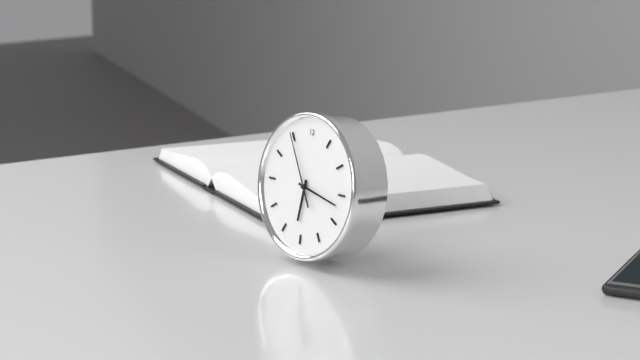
{"hour": 6, "minute": 17, "second": 55}
